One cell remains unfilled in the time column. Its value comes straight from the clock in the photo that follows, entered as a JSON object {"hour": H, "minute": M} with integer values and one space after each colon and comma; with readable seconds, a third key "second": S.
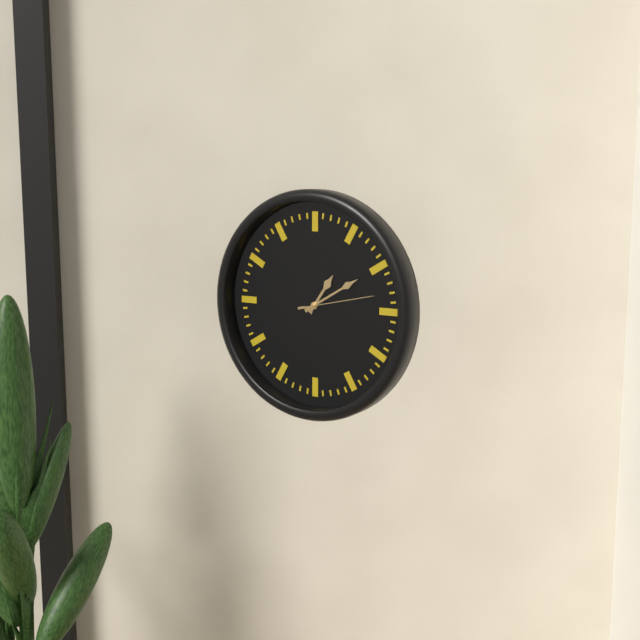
{"hour": 1, "minute": 10, "second": 13}
